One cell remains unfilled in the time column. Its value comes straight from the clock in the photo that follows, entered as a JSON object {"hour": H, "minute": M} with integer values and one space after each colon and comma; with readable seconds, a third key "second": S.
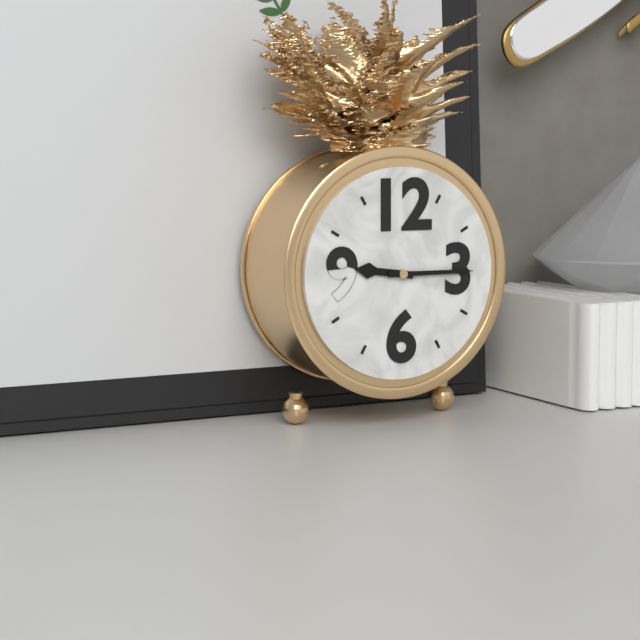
{"hour": 9, "minute": 15}
